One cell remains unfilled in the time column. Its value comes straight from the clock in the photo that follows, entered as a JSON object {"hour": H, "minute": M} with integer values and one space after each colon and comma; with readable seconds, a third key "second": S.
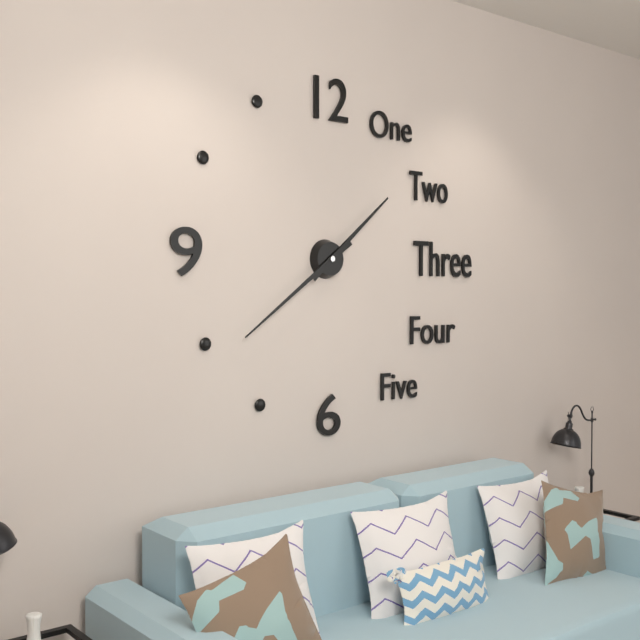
{"hour": 1, "minute": 39}
